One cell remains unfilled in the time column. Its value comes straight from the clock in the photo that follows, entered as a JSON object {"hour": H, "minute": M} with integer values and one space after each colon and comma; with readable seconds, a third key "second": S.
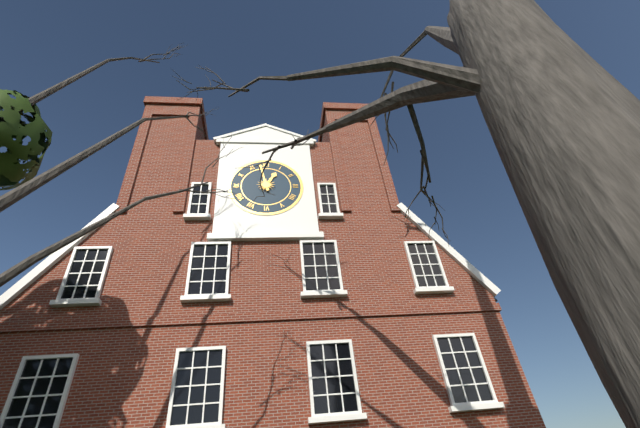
{"hour": 12, "minute": 58}
